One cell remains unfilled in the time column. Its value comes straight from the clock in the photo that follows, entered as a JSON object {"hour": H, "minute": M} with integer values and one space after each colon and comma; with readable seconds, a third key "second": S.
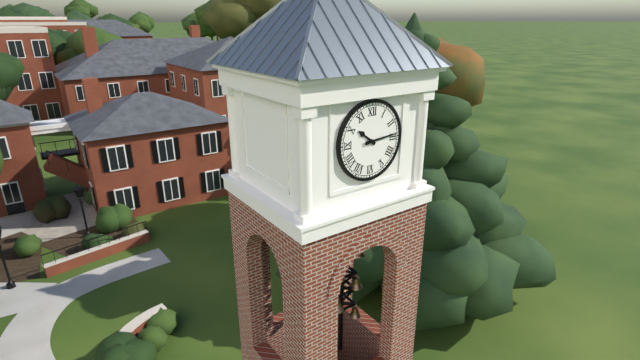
{"hour": 10, "minute": 14}
